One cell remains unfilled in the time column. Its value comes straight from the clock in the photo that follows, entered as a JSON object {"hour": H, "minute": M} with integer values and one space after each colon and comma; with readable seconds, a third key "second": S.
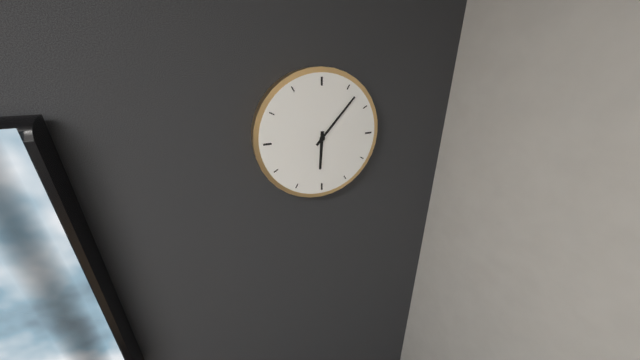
{"hour": 6, "minute": 7}
